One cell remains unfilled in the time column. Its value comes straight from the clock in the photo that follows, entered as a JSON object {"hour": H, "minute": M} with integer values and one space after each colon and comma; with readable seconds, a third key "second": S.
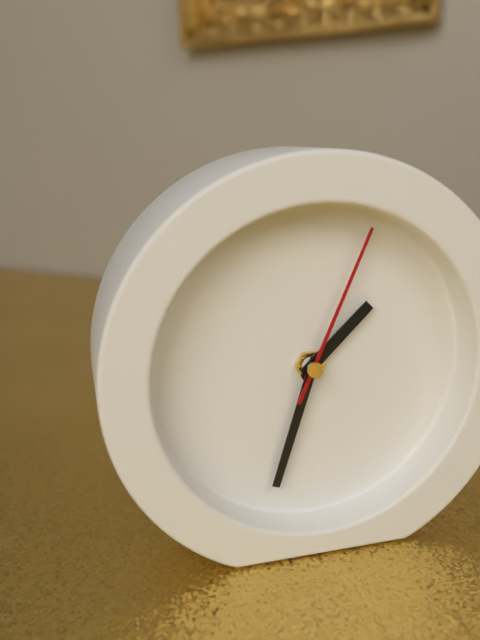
{"hour": 1, "minute": 33, "second": 4}
